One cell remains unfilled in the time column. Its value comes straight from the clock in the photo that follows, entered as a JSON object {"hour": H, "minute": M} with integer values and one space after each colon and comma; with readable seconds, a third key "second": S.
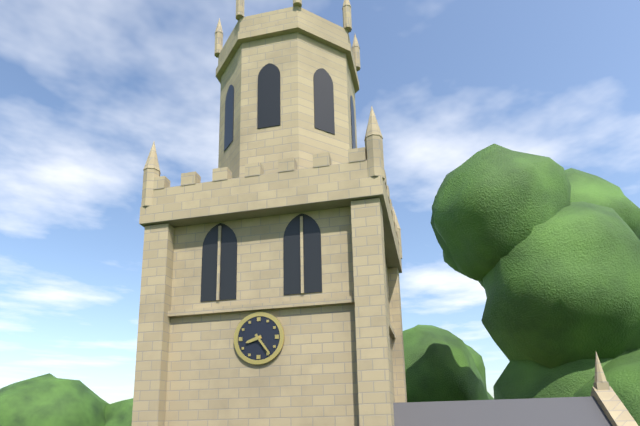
{"hour": 8, "minute": 24}
